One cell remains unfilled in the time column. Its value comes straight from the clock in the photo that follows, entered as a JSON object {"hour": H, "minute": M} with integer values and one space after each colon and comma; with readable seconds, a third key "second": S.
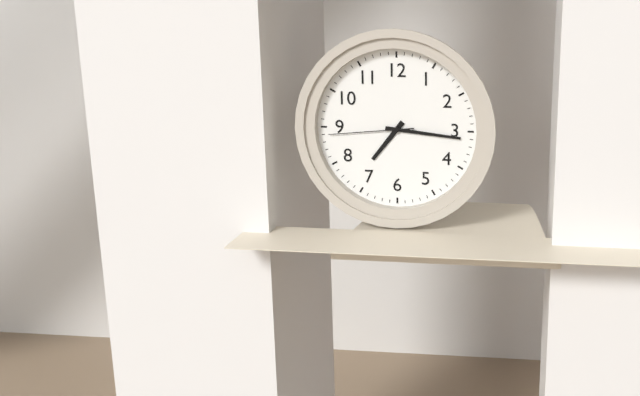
{"hour": 7, "minute": 16, "second": 44}
